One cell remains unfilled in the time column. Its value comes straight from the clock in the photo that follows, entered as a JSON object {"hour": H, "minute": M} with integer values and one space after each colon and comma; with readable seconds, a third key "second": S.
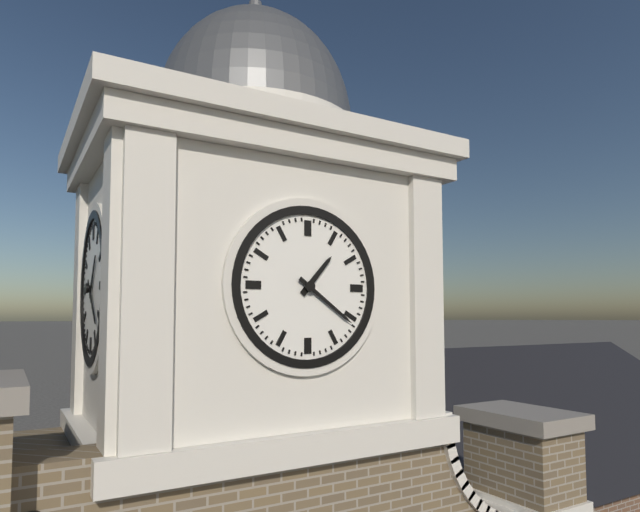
{"hour": 1, "minute": 21}
